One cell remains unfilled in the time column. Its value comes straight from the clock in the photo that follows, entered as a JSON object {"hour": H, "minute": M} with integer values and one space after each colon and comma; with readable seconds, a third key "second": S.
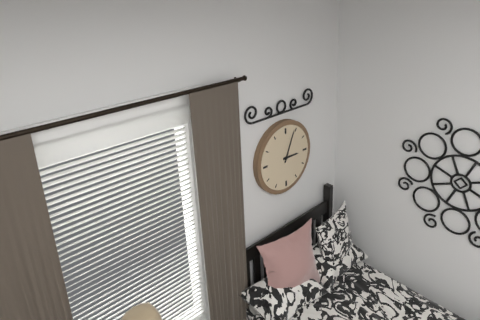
{"hour": 3, "minute": 4}
